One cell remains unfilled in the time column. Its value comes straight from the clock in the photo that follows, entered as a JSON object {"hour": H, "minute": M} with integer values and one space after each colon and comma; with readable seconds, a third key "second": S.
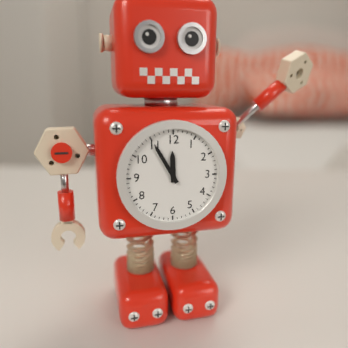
{"hour": 11, "minute": 55}
